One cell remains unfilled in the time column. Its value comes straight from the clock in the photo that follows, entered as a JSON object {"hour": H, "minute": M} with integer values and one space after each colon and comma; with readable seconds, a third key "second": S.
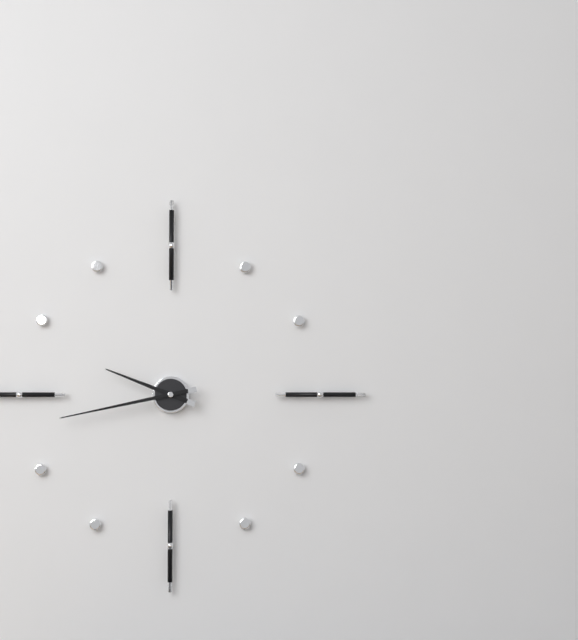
{"hour": 9, "minute": 43}
